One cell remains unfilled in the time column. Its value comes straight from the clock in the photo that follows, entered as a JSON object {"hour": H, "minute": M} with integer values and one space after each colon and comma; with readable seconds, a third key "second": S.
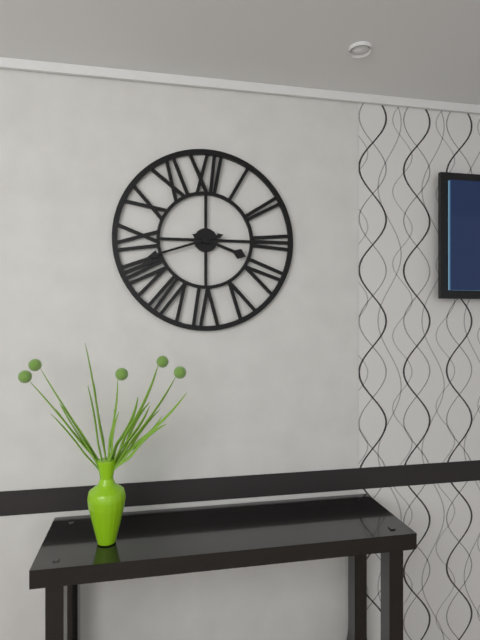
{"hour": 3, "minute": 42}
